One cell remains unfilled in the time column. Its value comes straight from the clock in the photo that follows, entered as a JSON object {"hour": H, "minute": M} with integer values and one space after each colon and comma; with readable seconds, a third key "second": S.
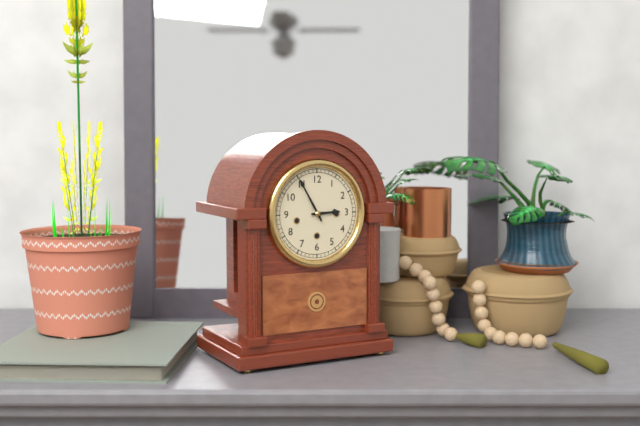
{"hour": 2, "minute": 55}
